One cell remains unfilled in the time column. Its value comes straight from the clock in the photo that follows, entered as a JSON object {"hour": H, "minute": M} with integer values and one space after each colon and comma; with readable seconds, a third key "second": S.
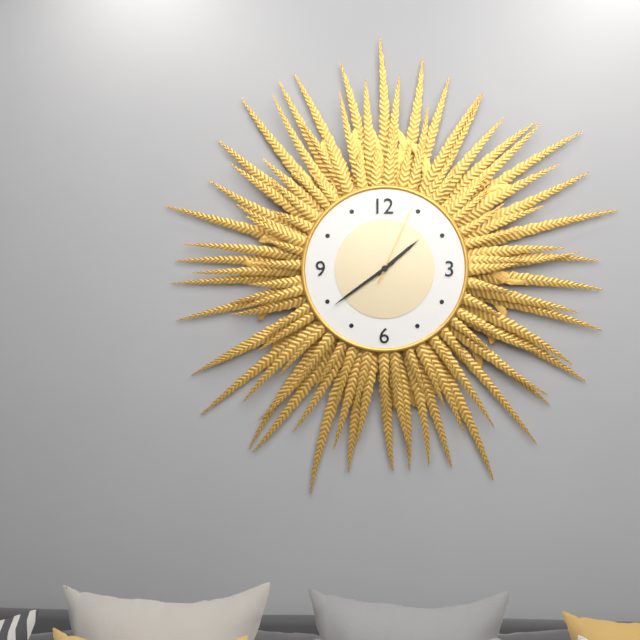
{"hour": 1, "minute": 39, "second": 4}
